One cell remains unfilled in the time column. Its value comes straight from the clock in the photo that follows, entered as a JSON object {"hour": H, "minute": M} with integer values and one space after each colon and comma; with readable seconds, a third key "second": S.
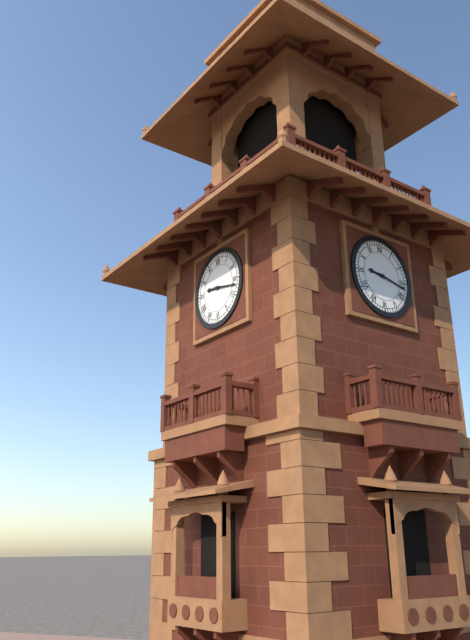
{"hour": 9, "minute": 17}
